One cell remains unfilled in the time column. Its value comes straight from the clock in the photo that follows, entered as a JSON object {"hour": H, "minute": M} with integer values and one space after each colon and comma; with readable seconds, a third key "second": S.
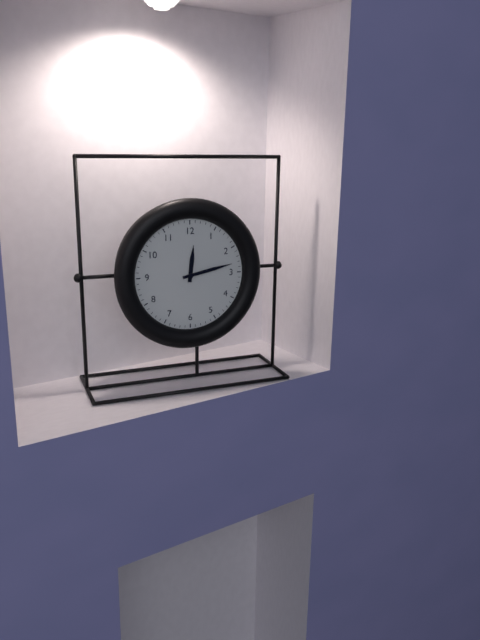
{"hour": 12, "minute": 13}
